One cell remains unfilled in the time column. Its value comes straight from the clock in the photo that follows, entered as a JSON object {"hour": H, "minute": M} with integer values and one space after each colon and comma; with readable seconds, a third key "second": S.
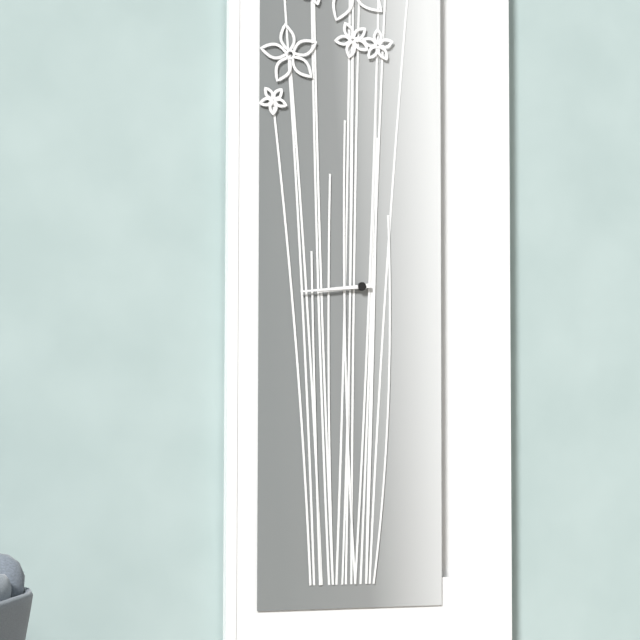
{"hour": 8, "minute": 44}
